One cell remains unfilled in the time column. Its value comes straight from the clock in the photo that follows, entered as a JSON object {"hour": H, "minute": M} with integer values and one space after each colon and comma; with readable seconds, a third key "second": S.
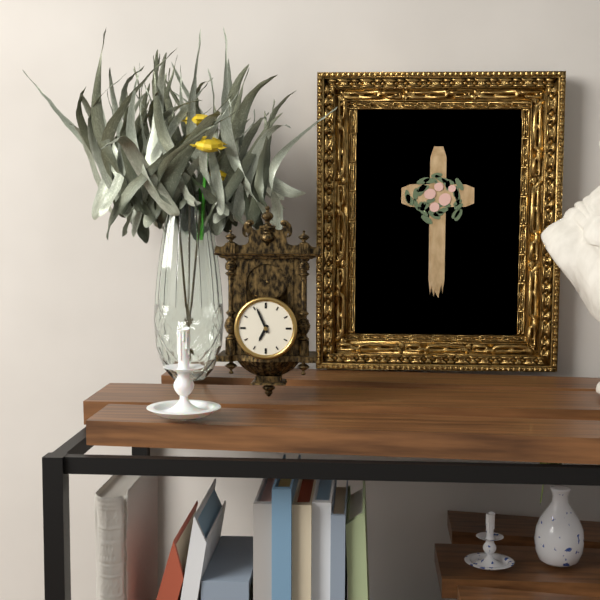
{"hour": 6, "minute": 56}
